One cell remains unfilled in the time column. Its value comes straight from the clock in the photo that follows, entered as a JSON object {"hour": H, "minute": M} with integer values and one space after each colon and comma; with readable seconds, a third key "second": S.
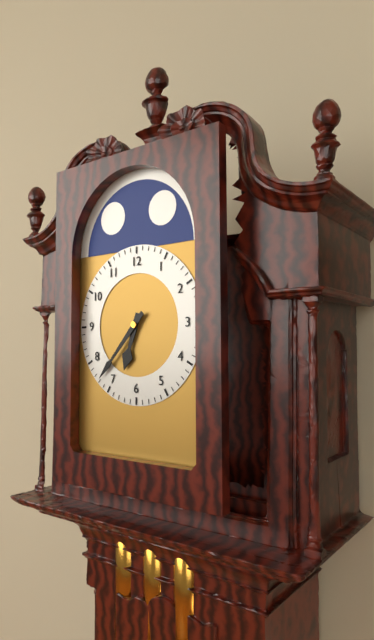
{"hour": 6, "minute": 37}
